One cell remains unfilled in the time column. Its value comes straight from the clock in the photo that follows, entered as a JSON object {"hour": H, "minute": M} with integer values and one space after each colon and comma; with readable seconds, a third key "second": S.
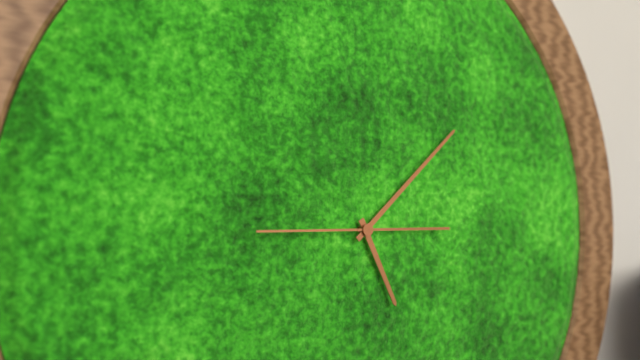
{"hour": 5, "minute": 8, "second": 45}
